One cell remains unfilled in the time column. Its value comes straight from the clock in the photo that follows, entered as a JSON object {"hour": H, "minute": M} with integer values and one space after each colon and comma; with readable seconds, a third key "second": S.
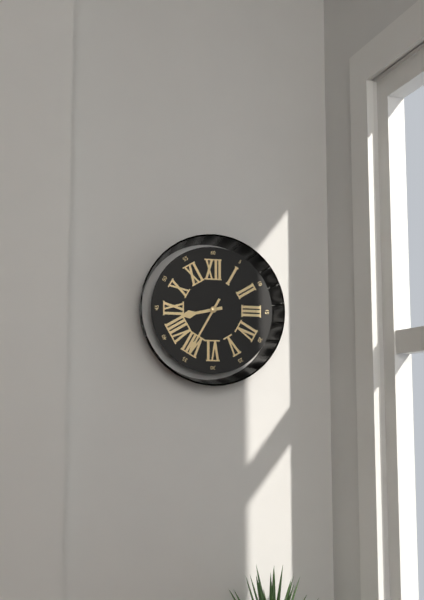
{"hour": 8, "minute": 35}
